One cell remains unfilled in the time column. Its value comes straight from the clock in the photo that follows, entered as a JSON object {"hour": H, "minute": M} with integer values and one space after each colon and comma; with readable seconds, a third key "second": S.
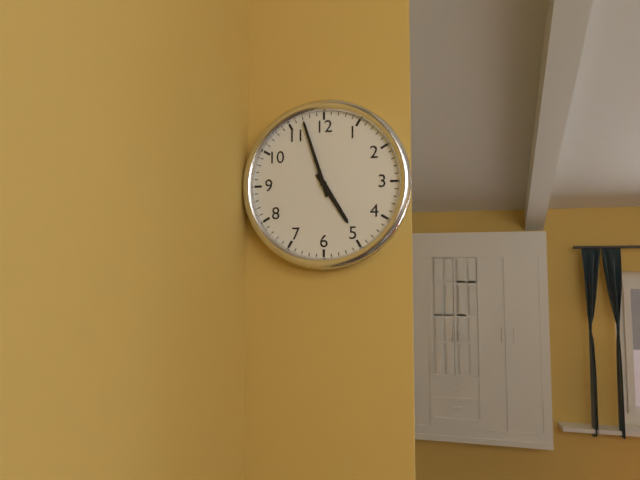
{"hour": 4, "minute": 57}
